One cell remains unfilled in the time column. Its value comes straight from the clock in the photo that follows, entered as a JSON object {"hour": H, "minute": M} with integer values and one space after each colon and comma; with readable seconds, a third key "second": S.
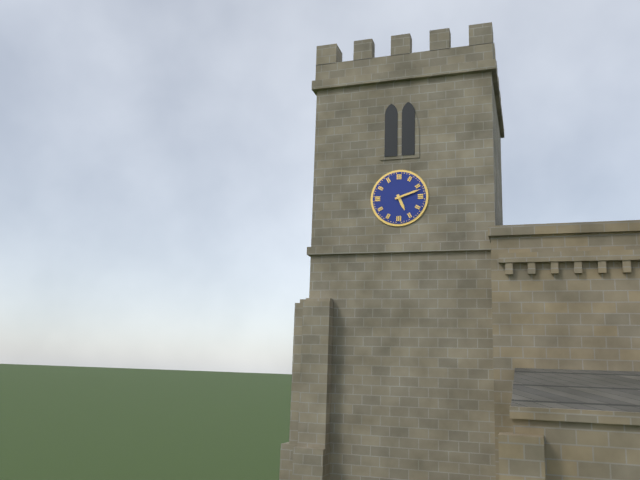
{"hour": 5, "minute": 12}
